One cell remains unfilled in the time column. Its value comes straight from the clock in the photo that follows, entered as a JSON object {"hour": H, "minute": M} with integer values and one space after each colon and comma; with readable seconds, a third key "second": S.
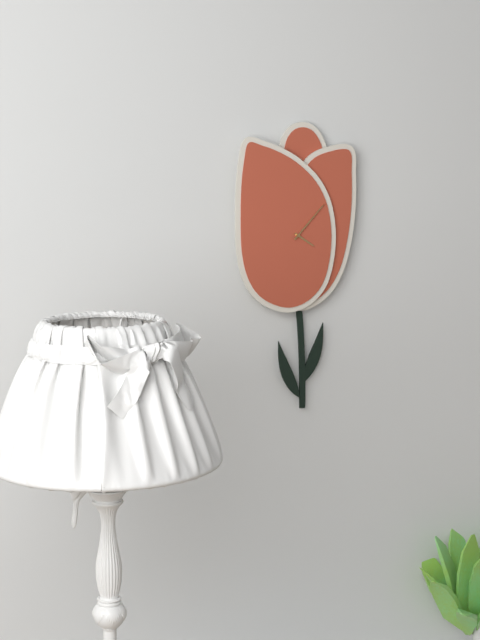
{"hour": 4, "minute": 7}
